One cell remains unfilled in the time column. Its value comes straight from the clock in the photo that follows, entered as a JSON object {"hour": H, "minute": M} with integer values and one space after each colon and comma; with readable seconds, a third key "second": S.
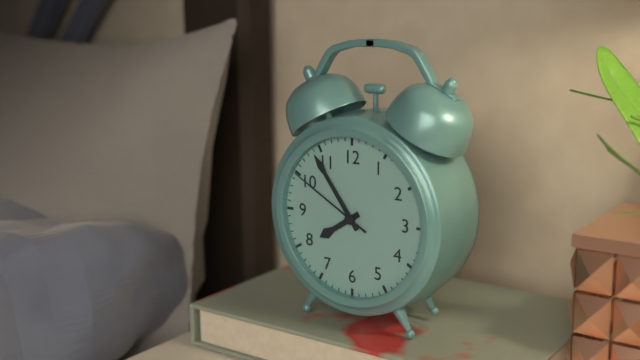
{"hour": 7, "minute": 54, "second": 50}
